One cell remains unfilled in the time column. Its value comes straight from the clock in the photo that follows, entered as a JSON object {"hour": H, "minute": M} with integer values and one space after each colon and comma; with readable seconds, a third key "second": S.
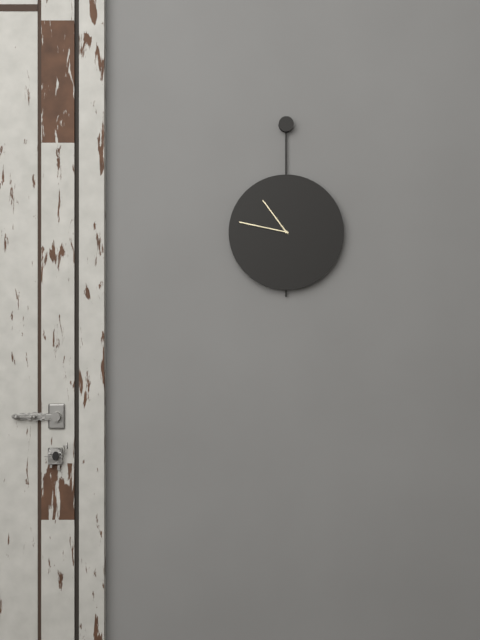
{"hour": 10, "minute": 47}
